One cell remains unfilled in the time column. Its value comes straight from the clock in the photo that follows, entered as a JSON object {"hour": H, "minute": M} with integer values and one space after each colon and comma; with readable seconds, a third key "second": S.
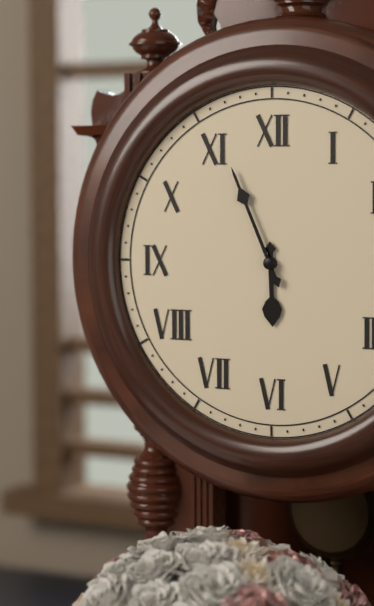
{"hour": 5, "minute": 56}
